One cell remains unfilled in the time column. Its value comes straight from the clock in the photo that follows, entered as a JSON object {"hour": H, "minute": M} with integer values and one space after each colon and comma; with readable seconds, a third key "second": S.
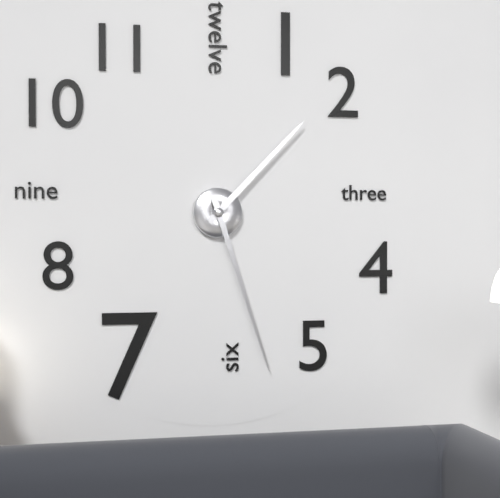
{"hour": 1, "minute": 27}
